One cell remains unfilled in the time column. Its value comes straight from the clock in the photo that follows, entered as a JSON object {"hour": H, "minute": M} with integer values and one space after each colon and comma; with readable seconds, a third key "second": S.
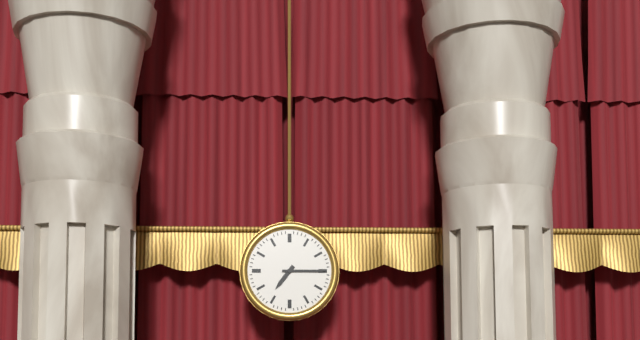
{"hour": 7, "minute": 15}
